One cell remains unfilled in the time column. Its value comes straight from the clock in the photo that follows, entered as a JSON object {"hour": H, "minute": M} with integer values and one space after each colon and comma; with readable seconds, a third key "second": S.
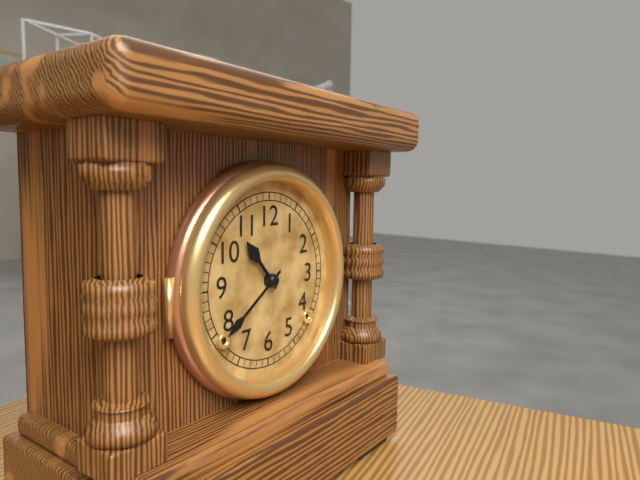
{"hour": 10, "minute": 39}
